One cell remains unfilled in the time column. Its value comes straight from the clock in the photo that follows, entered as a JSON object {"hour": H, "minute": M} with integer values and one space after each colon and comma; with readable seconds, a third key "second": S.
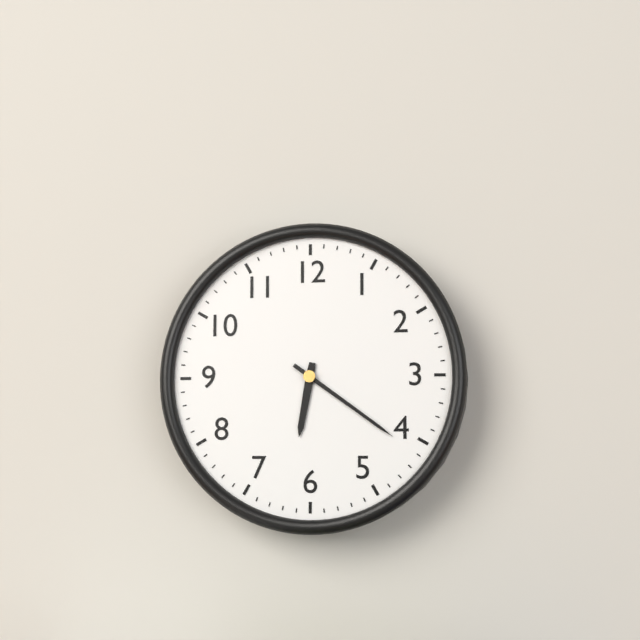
{"hour": 6, "minute": 21}
